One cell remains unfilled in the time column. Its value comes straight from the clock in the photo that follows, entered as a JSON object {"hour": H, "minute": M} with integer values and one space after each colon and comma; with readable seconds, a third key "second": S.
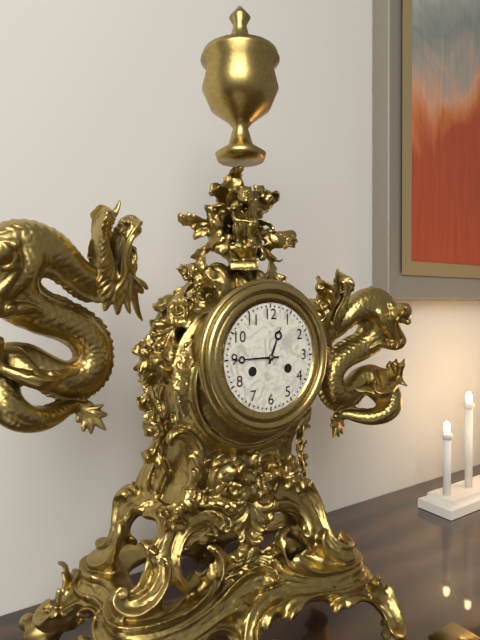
{"hour": 12, "minute": 45}
